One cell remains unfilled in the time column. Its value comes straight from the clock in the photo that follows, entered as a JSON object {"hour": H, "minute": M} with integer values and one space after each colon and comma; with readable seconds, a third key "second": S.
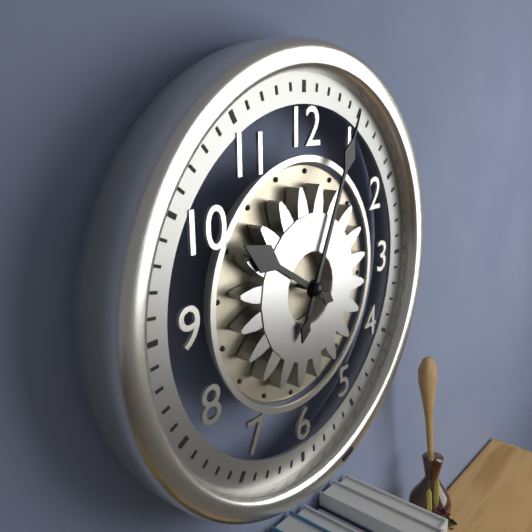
{"hour": 10, "minute": 4}
